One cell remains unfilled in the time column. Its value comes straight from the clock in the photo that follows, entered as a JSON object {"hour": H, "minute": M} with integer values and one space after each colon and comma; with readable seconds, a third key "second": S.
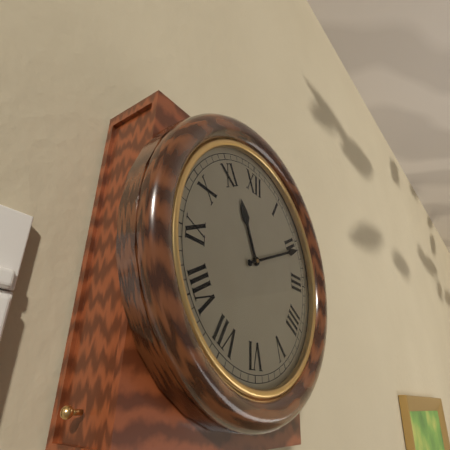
{"hour": 11, "minute": 11}
